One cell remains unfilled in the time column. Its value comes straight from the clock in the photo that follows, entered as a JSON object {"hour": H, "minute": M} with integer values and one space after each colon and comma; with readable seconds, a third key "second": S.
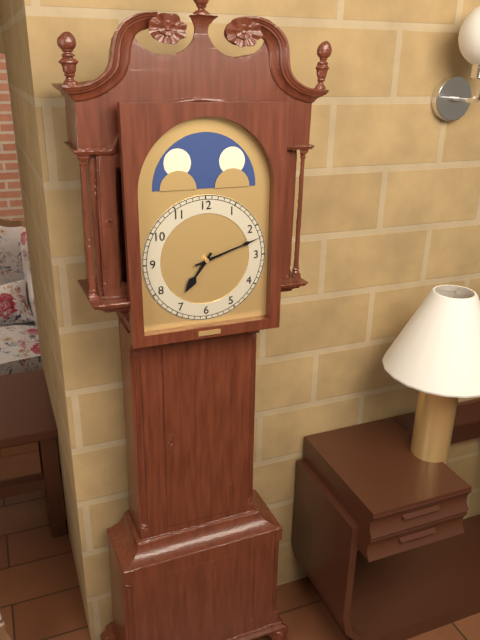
{"hour": 7, "minute": 12}
